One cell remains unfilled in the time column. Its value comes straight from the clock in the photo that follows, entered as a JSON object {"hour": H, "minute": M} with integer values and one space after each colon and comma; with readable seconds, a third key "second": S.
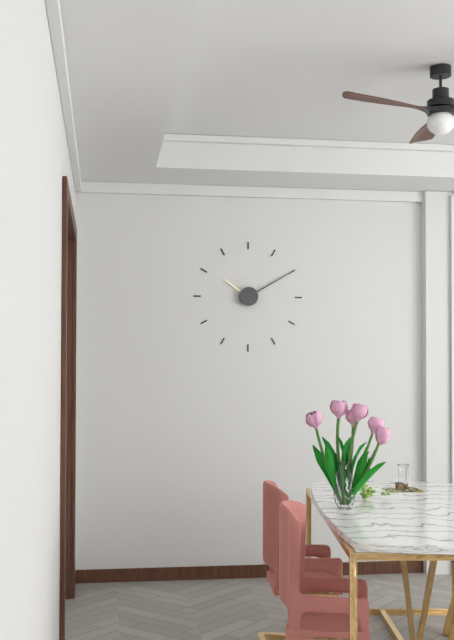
{"hour": 10, "minute": 10}
